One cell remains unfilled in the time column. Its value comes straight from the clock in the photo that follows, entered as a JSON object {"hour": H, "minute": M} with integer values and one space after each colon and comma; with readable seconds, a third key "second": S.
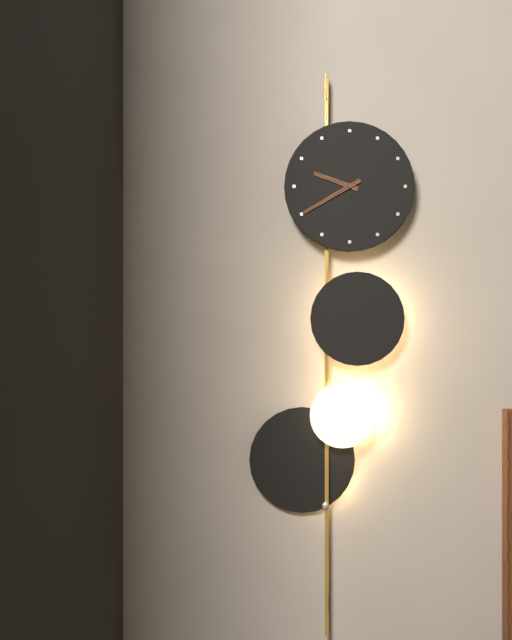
{"hour": 9, "minute": 40}
